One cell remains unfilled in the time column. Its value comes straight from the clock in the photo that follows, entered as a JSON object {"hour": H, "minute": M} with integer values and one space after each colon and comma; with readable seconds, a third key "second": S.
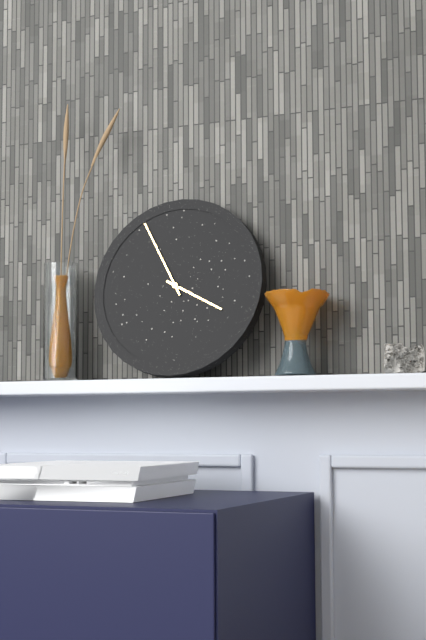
{"hour": 3, "minute": 55}
